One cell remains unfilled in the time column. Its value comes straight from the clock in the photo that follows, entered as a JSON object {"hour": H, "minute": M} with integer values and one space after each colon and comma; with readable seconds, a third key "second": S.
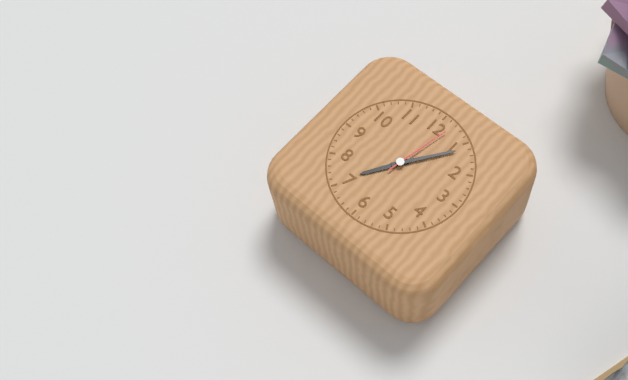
{"hour": 7, "minute": 6, "second": 2}
